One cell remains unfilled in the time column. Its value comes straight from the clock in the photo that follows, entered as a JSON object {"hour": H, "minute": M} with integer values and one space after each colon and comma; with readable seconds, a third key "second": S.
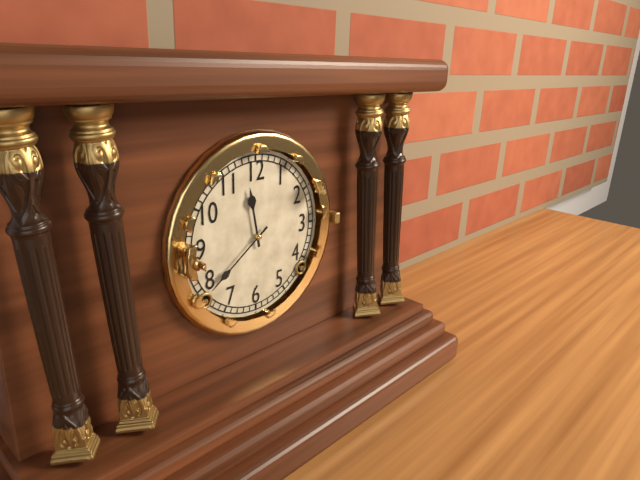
{"hour": 11, "minute": 39}
